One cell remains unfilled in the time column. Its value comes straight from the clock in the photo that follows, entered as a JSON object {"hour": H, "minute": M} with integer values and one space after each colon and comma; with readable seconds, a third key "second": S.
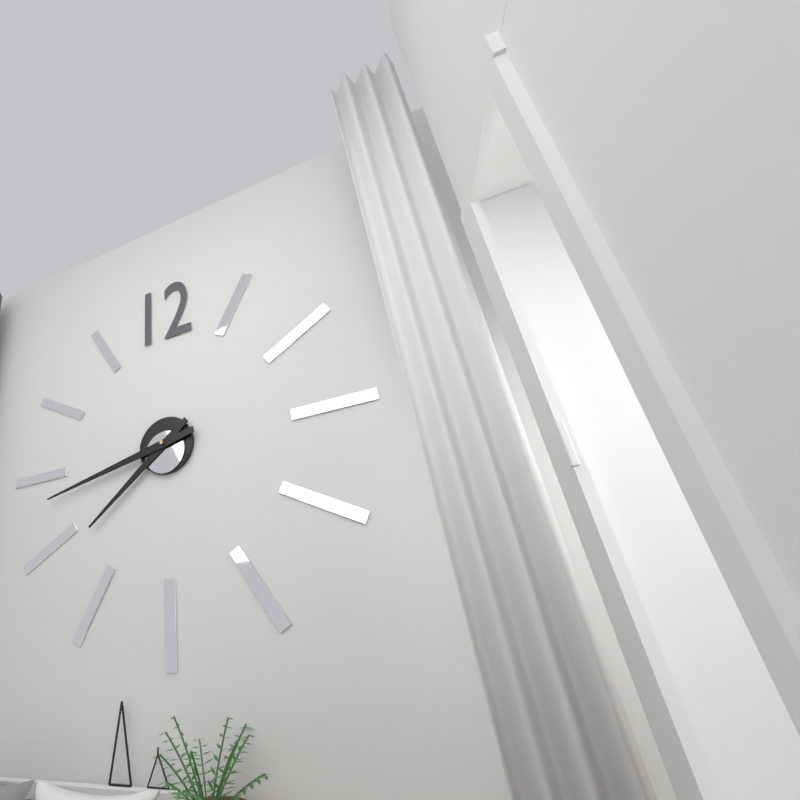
{"hour": 7, "minute": 43}
